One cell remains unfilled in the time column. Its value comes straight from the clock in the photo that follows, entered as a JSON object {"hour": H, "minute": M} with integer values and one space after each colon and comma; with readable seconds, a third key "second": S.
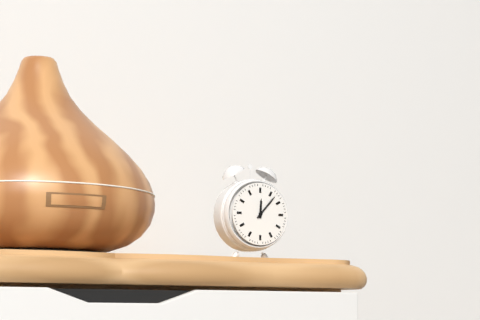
{"hour": 12, "minute": 7}
